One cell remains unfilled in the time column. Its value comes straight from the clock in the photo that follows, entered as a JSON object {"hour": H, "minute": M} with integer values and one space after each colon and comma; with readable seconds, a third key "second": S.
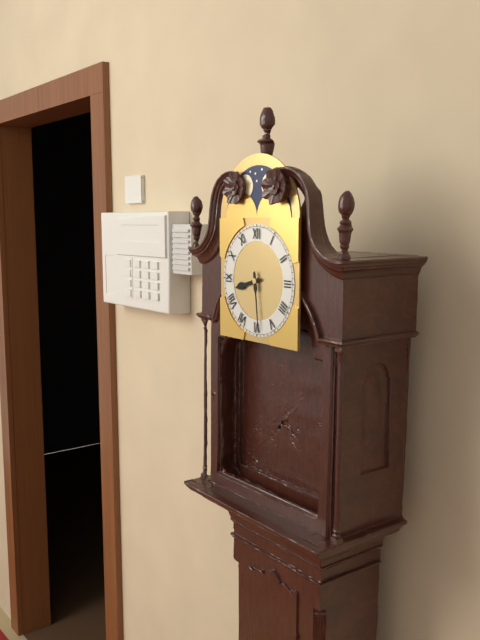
{"hour": 8, "minute": 29}
